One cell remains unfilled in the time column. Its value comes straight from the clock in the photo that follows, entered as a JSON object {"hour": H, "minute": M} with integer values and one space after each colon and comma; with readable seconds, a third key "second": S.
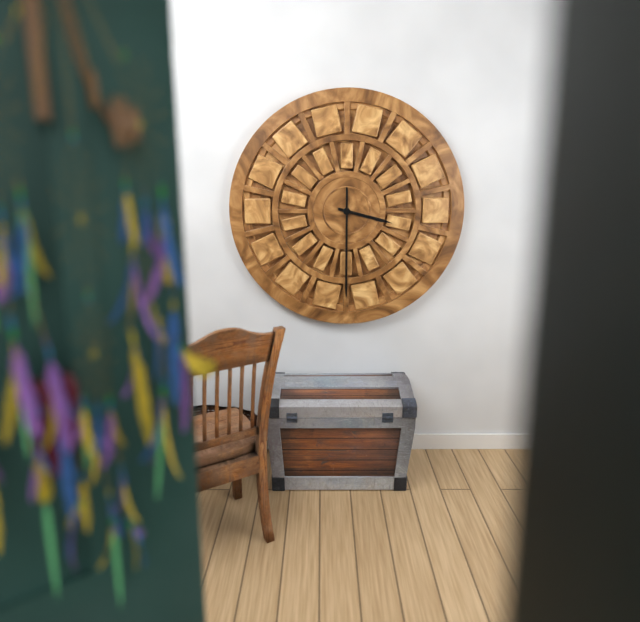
{"hour": 3, "minute": 30}
